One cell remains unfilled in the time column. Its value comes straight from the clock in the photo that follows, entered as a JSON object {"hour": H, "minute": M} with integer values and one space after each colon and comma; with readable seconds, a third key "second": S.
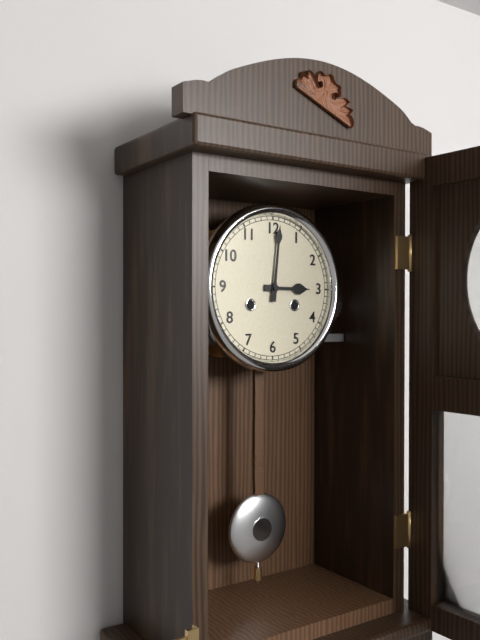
{"hour": 3, "minute": 1}
